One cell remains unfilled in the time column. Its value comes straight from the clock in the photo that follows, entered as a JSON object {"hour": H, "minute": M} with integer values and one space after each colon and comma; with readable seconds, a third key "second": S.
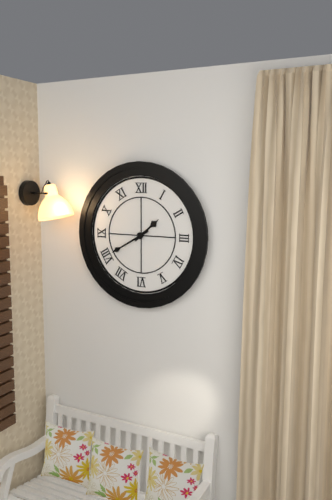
{"hour": 1, "minute": 40}
